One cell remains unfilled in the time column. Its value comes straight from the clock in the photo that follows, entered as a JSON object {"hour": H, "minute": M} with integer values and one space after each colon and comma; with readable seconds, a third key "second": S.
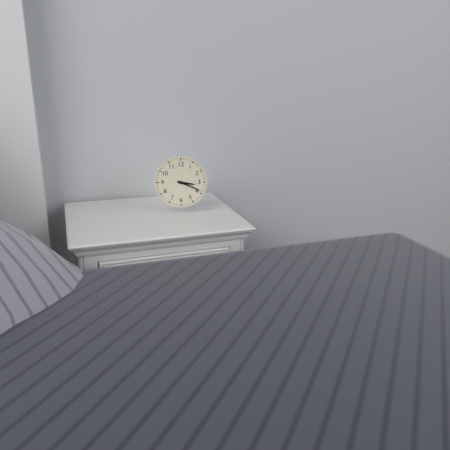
{"hour": 3, "minute": 19}
